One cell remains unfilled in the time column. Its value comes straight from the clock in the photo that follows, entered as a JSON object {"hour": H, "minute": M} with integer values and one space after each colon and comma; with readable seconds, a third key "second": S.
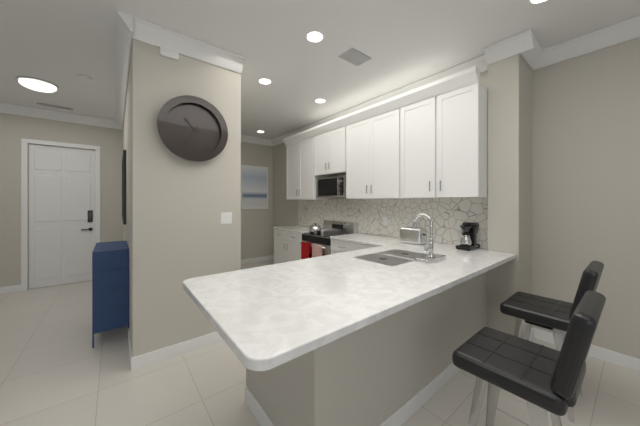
{"hour": 10, "minute": 35}
